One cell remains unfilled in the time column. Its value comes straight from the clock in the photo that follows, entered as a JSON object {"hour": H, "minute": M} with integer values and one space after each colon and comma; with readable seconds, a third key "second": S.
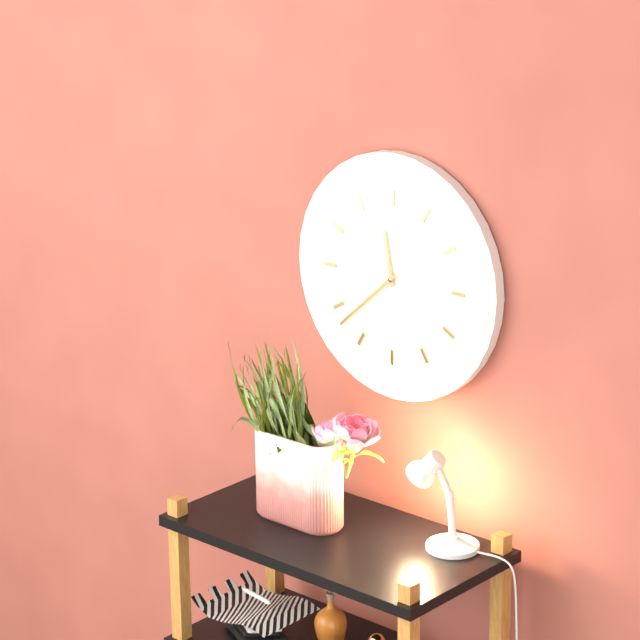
{"hour": 11, "minute": 38}
